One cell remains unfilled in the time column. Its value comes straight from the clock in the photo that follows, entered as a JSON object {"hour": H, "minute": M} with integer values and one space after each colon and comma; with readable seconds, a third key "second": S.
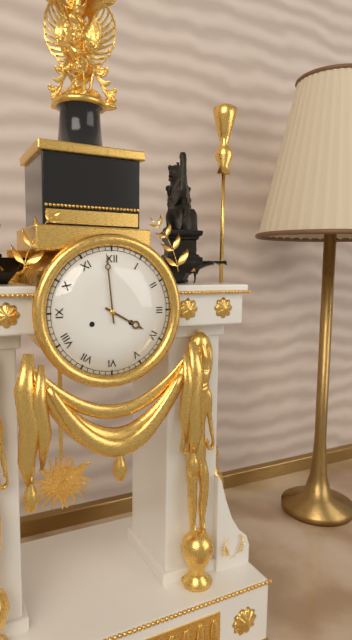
{"hour": 3, "minute": 59}
